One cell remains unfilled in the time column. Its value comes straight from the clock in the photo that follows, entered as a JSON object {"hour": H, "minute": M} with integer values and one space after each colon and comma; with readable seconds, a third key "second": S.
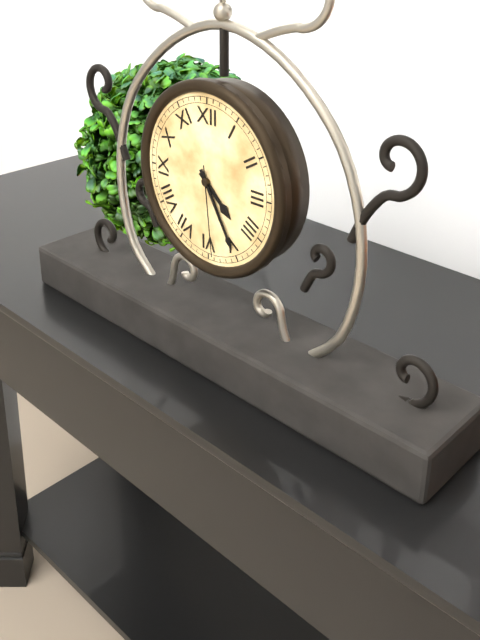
{"hour": 4, "minute": 25, "second": 29}
